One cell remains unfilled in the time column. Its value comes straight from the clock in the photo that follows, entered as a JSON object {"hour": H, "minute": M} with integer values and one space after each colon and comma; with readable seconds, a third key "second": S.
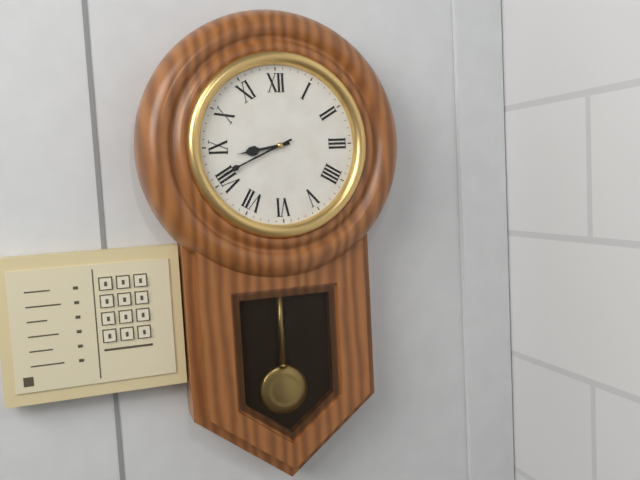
{"hour": 8, "minute": 41}
